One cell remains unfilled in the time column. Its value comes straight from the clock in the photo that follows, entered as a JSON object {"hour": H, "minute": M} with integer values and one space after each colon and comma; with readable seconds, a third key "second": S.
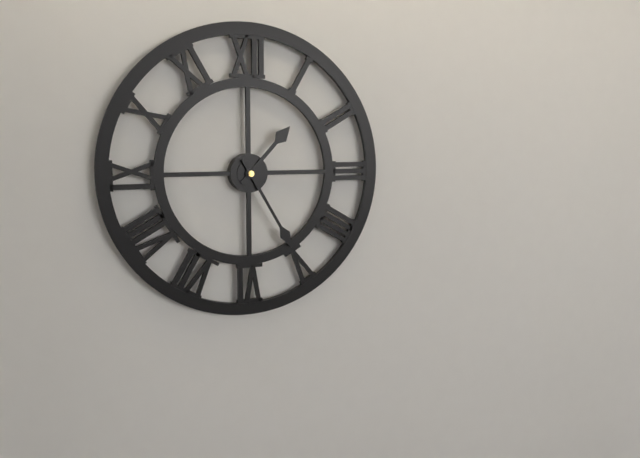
{"hour": 1, "minute": 25}
